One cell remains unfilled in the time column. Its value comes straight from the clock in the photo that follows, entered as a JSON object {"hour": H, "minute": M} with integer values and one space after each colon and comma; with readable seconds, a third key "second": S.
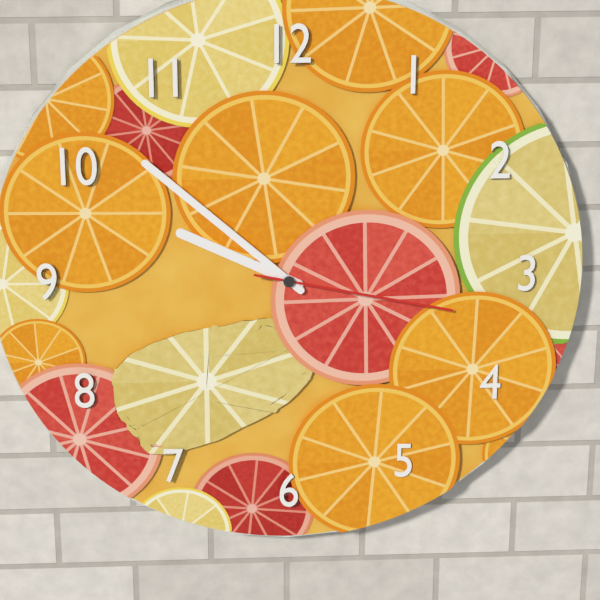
{"hour": 9, "minute": 52, "second": 17}
